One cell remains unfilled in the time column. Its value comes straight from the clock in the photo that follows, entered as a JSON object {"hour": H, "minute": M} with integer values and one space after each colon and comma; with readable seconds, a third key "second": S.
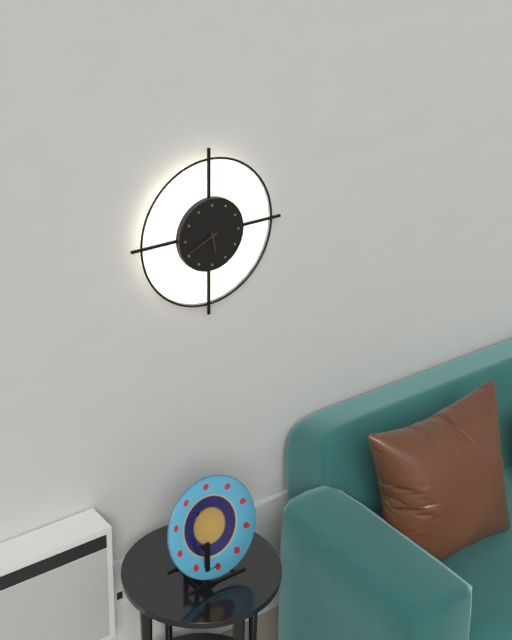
{"hour": 5, "minute": 41}
